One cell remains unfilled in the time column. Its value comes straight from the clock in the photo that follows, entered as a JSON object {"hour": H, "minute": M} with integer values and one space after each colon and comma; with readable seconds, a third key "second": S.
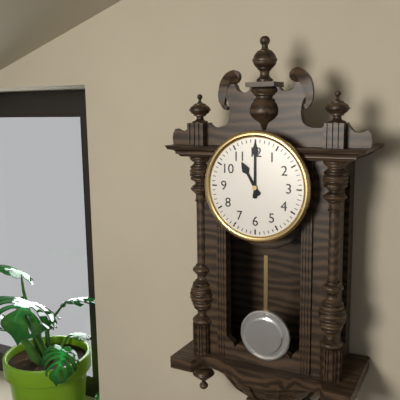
{"hour": 11, "minute": 0}
